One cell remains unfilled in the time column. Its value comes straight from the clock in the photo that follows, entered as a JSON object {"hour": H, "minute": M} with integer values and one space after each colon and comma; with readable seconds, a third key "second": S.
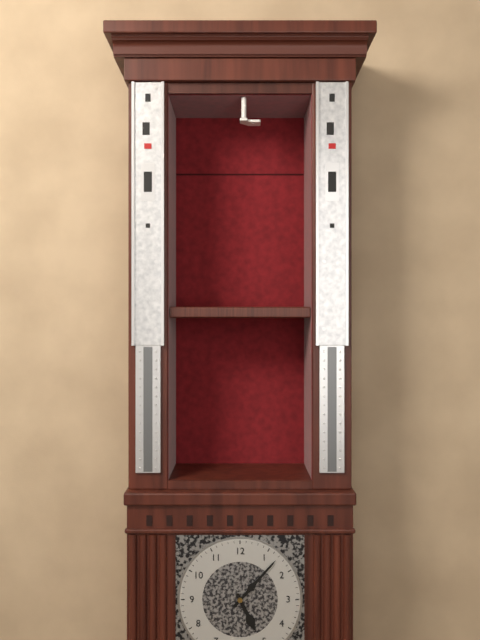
{"hour": 5, "minute": 7}
